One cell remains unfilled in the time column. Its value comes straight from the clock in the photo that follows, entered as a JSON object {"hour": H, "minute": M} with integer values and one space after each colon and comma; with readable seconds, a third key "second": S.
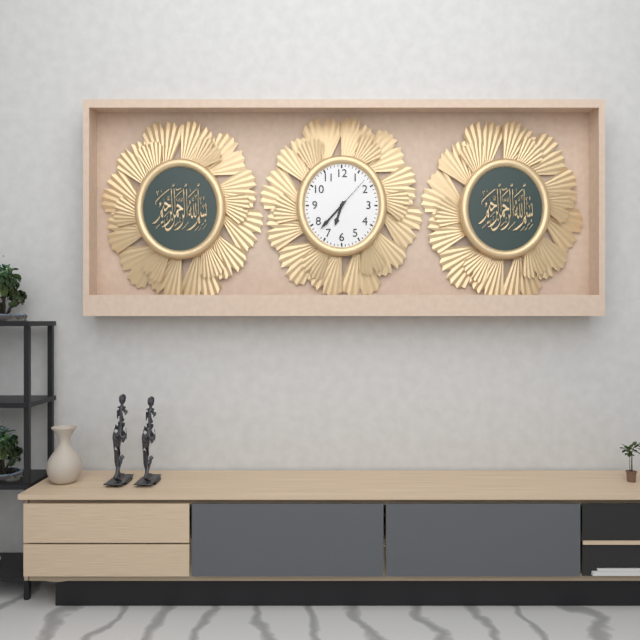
{"hour": 6, "minute": 37}
